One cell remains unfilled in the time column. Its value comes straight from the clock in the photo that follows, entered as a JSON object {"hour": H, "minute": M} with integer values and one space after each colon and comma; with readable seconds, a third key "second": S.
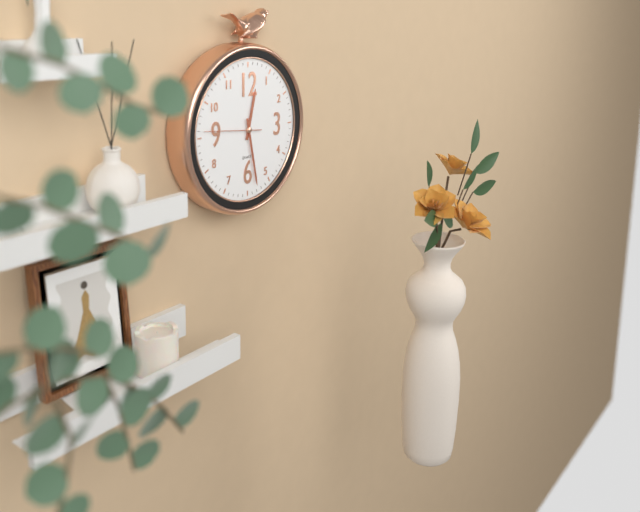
{"hour": 12, "minute": 28}
